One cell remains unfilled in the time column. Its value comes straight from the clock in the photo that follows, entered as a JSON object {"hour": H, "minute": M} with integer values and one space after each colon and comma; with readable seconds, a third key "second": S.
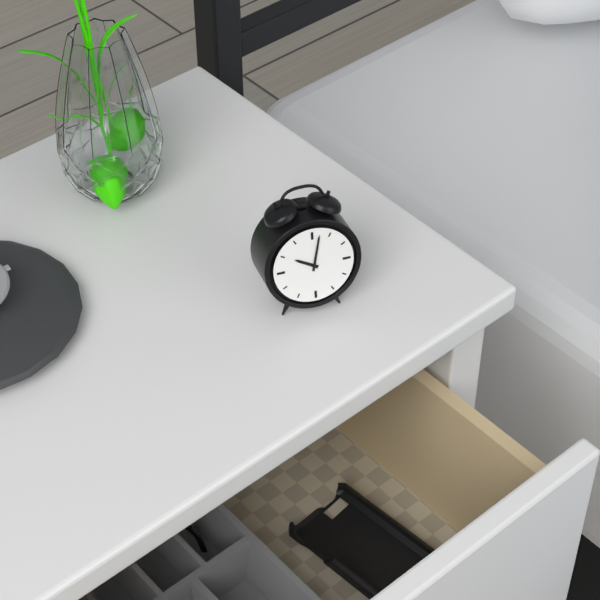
{"hour": 10, "minute": 2}
